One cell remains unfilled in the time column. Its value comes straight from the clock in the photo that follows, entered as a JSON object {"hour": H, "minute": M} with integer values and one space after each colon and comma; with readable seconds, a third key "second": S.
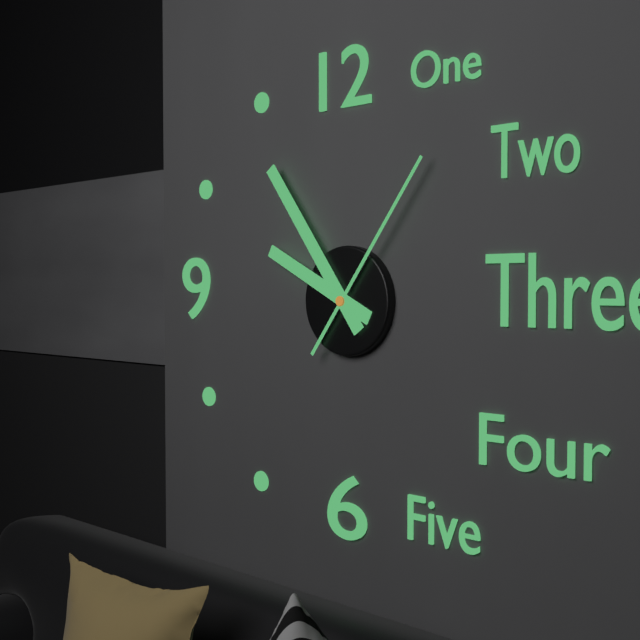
{"hour": 9, "minute": 54, "second": 6}
